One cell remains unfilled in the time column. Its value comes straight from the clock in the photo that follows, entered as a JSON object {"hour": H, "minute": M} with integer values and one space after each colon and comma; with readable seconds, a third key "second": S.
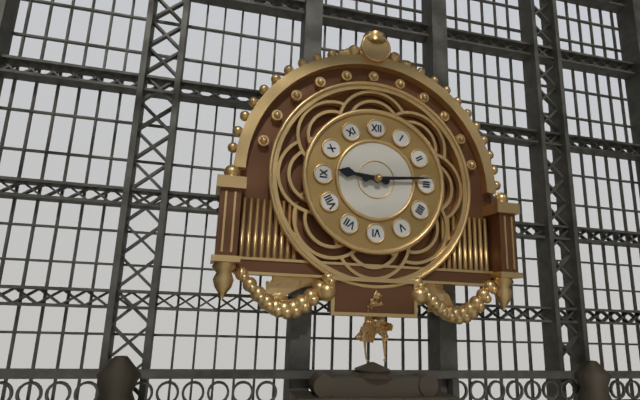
{"hour": 9, "minute": 14}
